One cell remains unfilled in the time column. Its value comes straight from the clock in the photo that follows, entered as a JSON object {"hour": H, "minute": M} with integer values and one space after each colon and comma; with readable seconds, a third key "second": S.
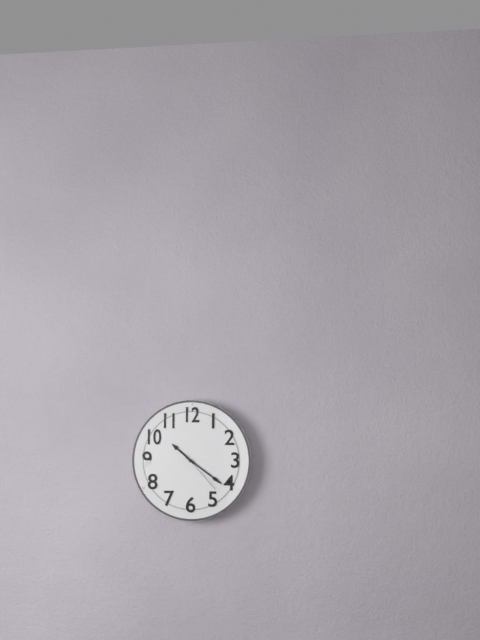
{"hour": 10, "minute": 21}
